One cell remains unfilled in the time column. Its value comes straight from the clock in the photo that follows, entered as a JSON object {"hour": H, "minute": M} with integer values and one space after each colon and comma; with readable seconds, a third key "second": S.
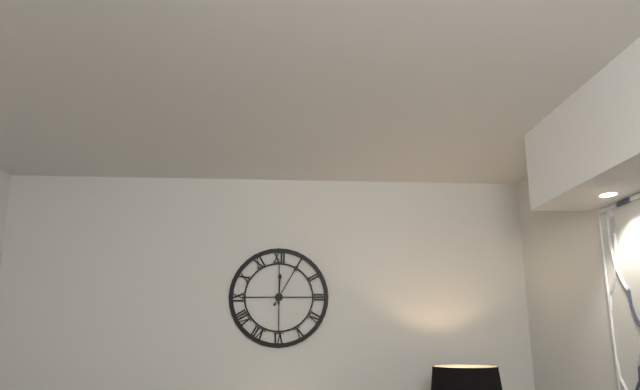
{"hour": 12, "minute": 5}
